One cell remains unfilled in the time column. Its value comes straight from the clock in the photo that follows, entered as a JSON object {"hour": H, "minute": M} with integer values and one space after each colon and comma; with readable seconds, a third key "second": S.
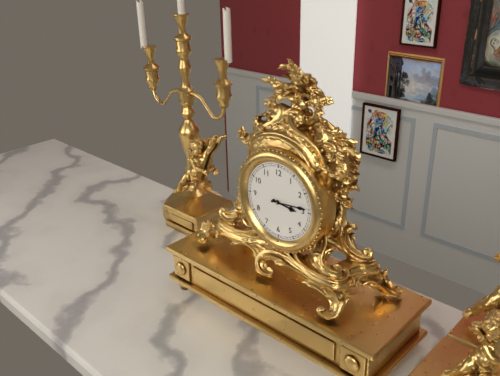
{"hour": 3, "minute": 14}
